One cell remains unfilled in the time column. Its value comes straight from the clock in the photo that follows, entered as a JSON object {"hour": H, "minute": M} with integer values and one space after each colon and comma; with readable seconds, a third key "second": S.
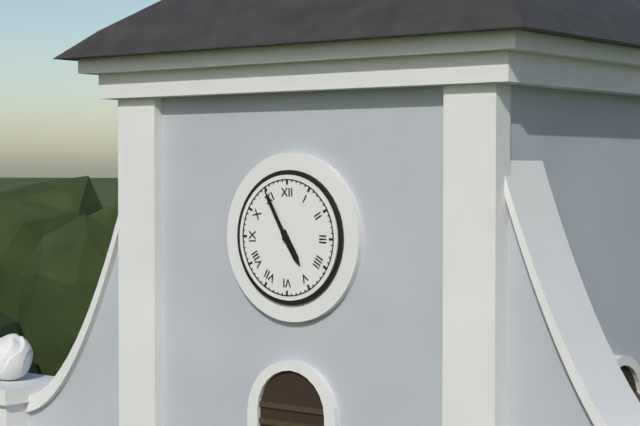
{"hour": 4, "minute": 55}
